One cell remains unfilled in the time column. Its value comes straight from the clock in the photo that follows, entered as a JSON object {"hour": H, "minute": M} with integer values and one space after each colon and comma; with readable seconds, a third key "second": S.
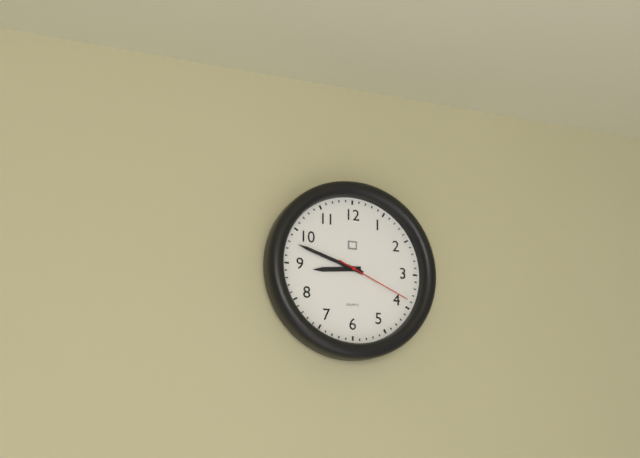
{"hour": 8, "minute": 48, "second": 19}
